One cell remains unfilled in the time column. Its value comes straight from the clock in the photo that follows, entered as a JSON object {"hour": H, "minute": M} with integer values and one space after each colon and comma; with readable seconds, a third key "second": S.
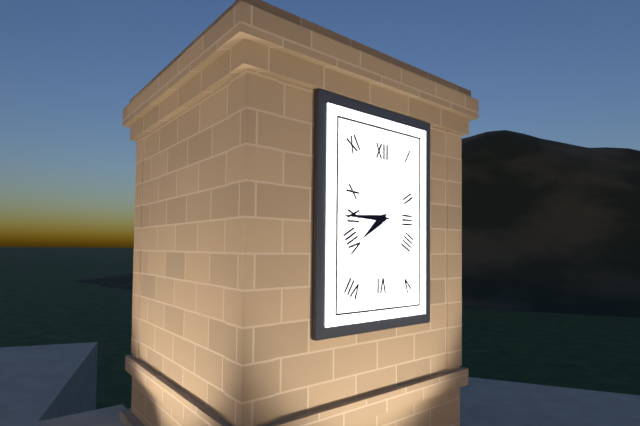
{"hour": 7, "minute": 45}
